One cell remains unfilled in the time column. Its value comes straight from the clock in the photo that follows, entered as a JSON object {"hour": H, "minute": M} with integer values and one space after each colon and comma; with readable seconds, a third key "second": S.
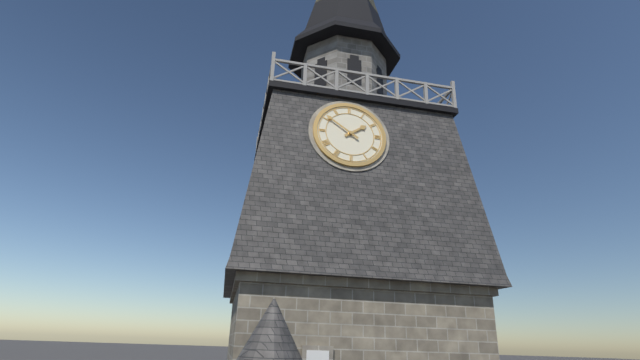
{"hour": 1, "minute": 51}
